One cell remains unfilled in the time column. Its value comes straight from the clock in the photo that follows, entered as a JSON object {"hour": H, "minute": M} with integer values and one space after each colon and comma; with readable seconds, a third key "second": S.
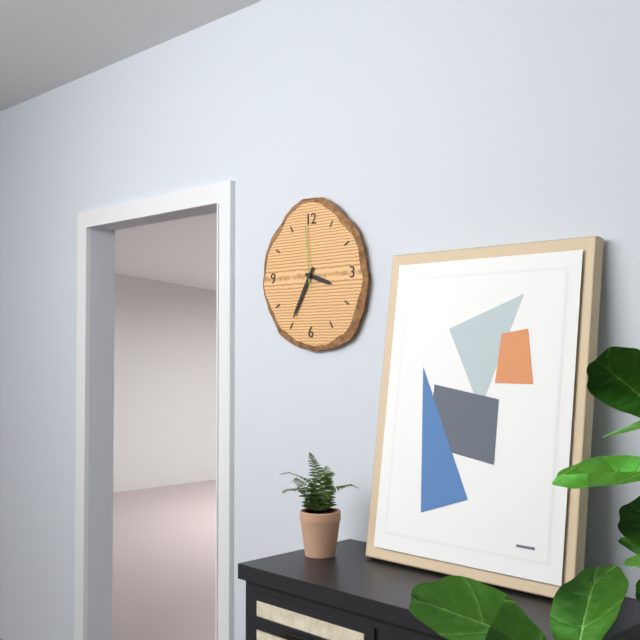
{"hour": 3, "minute": 35, "second": 59}
